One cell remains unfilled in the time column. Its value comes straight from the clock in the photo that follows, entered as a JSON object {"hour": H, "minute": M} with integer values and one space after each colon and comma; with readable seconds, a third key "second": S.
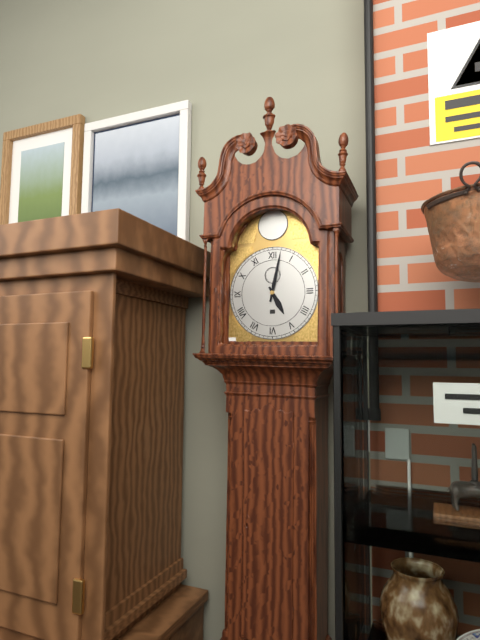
{"hour": 5, "minute": 2}
